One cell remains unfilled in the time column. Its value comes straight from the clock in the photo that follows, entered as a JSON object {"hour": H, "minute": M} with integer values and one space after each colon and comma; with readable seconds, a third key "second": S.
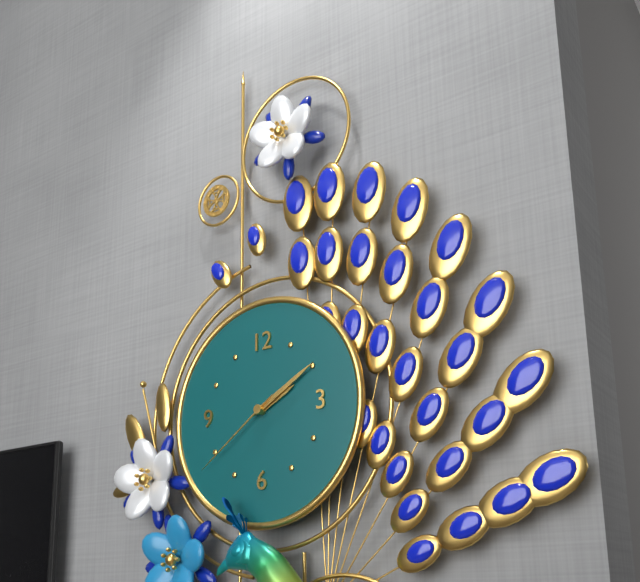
{"hour": 2, "minute": 10, "second": 39}
